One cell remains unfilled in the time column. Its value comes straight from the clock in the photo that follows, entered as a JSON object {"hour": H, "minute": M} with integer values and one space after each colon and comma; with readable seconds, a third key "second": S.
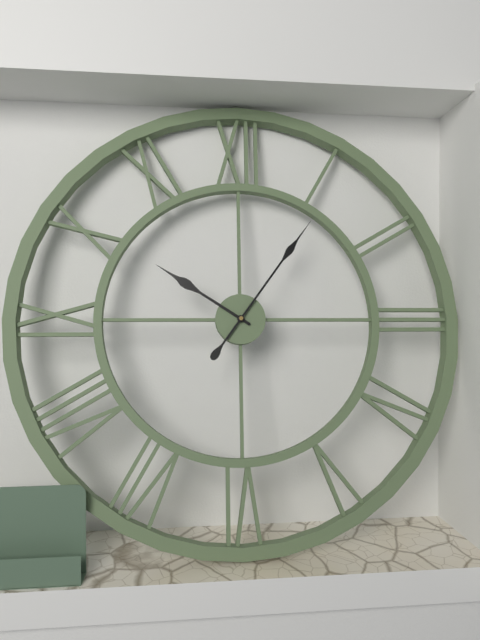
{"hour": 10, "minute": 6}
